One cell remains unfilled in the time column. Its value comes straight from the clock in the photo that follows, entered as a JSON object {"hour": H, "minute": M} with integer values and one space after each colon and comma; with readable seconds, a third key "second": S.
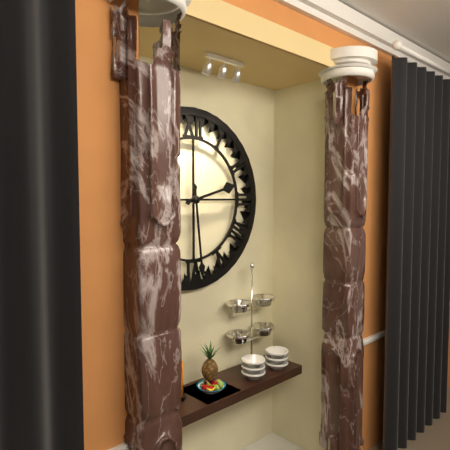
{"hour": 2, "minute": 29}
